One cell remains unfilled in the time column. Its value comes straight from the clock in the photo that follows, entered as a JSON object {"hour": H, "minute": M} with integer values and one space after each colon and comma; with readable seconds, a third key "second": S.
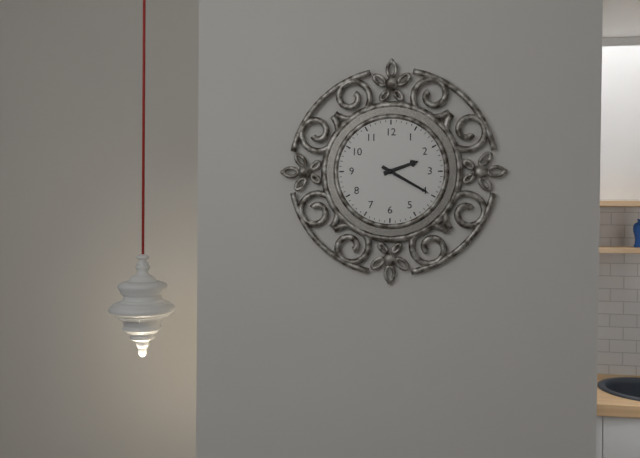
{"hour": 2, "minute": 20}
